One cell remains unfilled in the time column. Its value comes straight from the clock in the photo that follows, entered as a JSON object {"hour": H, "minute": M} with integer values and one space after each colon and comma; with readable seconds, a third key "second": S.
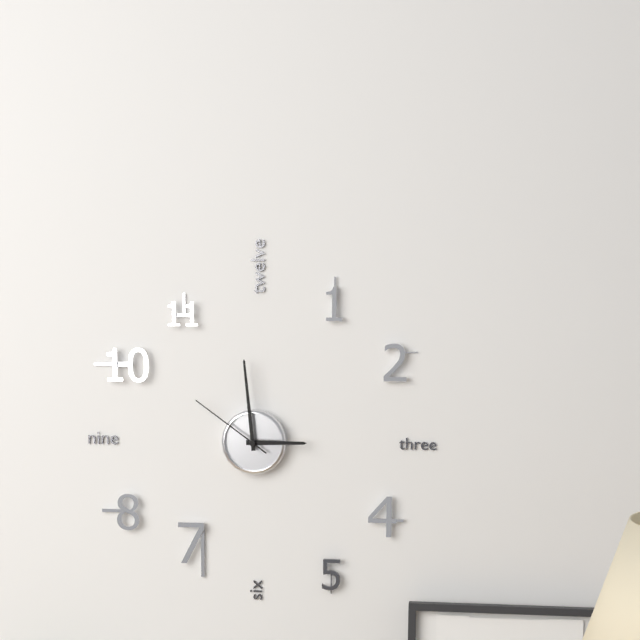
{"hour": 2, "minute": 59, "second": 51}
